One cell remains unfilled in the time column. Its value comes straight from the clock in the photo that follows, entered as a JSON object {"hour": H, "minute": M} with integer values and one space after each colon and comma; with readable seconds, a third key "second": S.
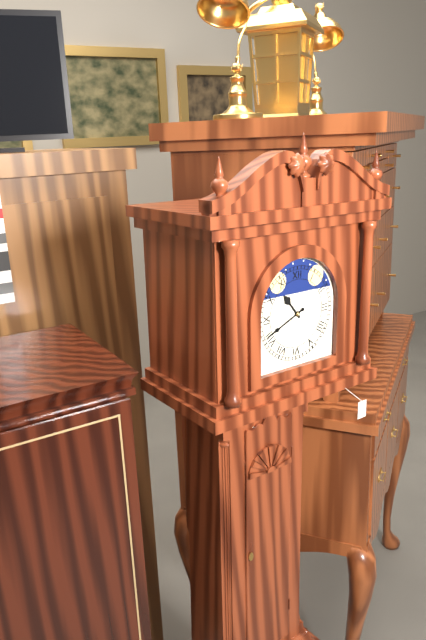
{"hour": 10, "minute": 41}
